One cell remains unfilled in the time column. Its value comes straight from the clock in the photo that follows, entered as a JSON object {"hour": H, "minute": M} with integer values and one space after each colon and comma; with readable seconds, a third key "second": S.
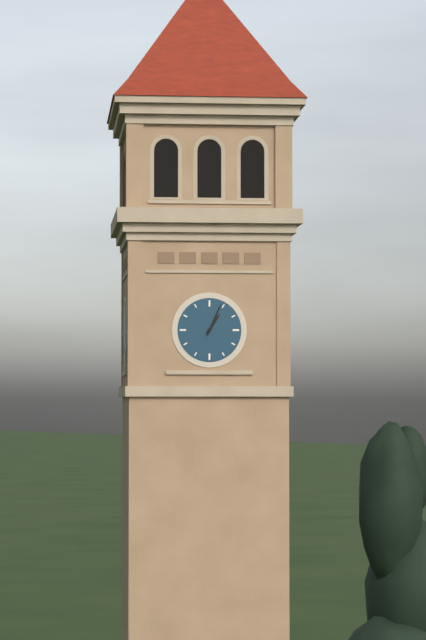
{"hour": 1, "minute": 4}
